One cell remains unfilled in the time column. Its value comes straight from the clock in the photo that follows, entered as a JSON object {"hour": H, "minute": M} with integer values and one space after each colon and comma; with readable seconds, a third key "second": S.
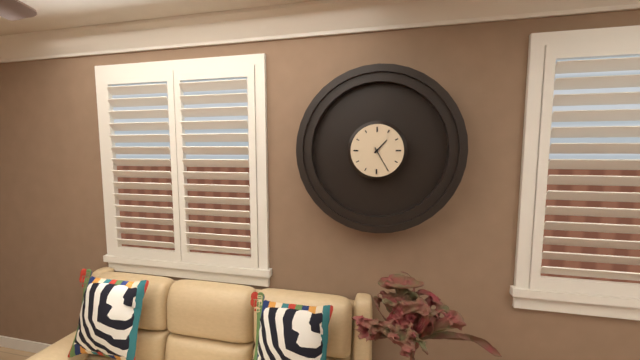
{"hour": 1, "minute": 25}
